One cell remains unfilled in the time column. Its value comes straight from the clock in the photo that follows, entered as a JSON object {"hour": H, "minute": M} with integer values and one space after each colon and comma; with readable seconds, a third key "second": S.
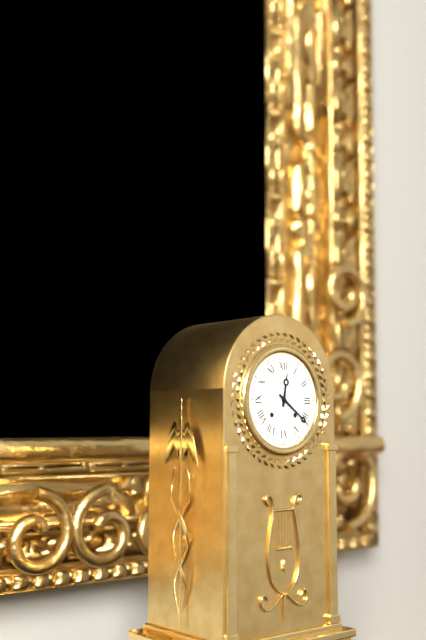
{"hour": 12, "minute": 21}
